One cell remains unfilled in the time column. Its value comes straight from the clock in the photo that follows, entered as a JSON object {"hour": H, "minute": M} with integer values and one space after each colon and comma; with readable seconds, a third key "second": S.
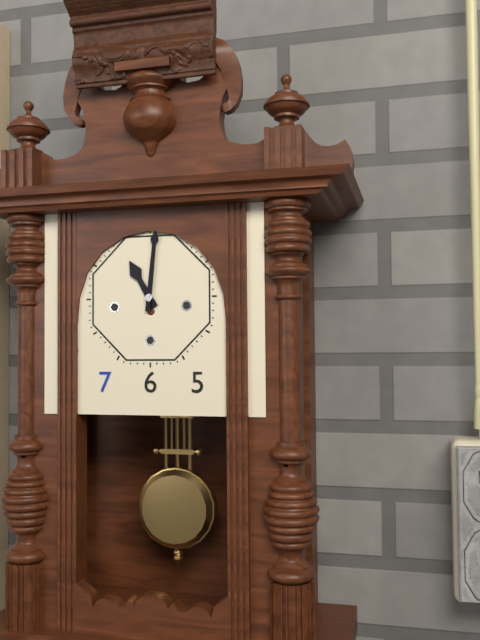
{"hour": 11, "minute": 1}
